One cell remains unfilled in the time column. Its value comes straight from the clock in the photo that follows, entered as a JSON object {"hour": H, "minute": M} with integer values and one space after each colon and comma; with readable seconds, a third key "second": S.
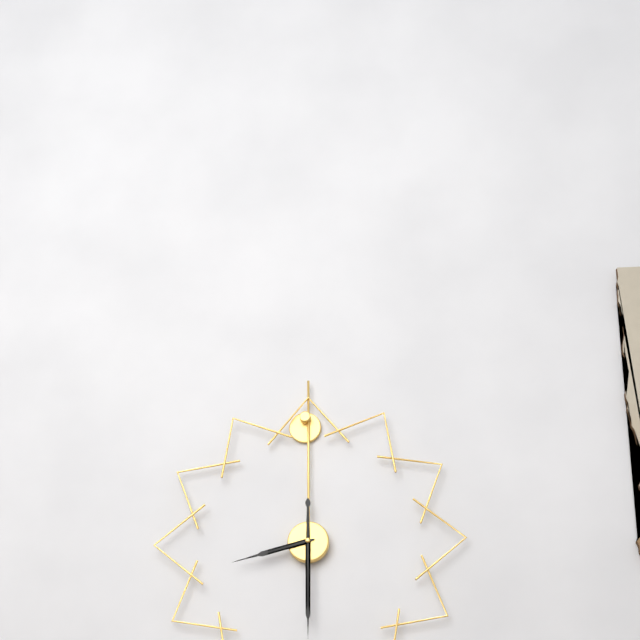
{"hour": 8, "minute": 30}
